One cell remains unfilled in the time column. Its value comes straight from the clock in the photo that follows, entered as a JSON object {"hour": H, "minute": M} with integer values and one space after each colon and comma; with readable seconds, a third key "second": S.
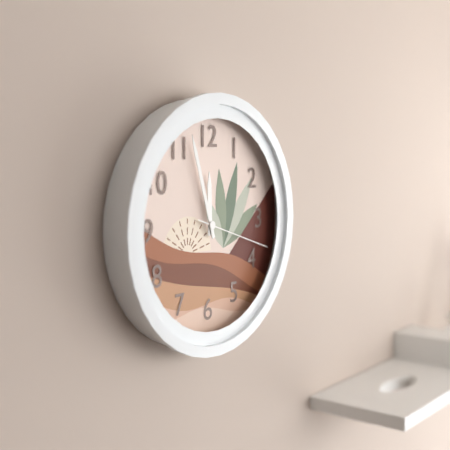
{"hour": 11, "minute": 57, "second": 18}
